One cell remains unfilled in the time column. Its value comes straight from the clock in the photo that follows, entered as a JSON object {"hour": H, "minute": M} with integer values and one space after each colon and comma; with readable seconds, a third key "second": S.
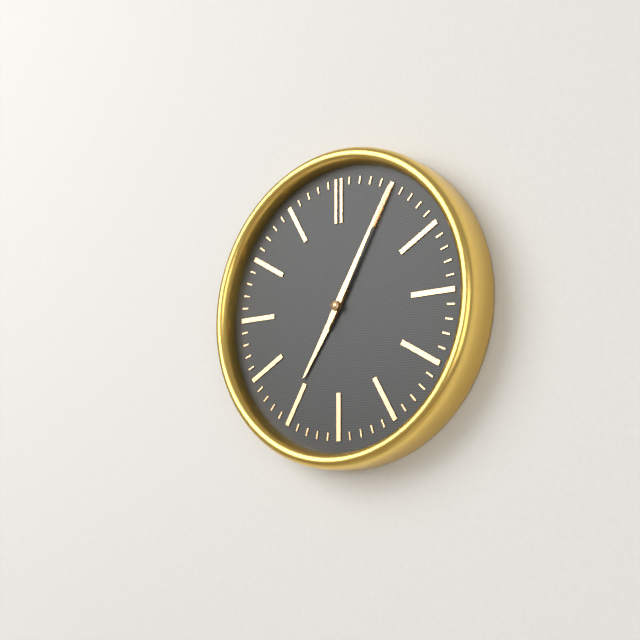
{"hour": 7, "minute": 5}
